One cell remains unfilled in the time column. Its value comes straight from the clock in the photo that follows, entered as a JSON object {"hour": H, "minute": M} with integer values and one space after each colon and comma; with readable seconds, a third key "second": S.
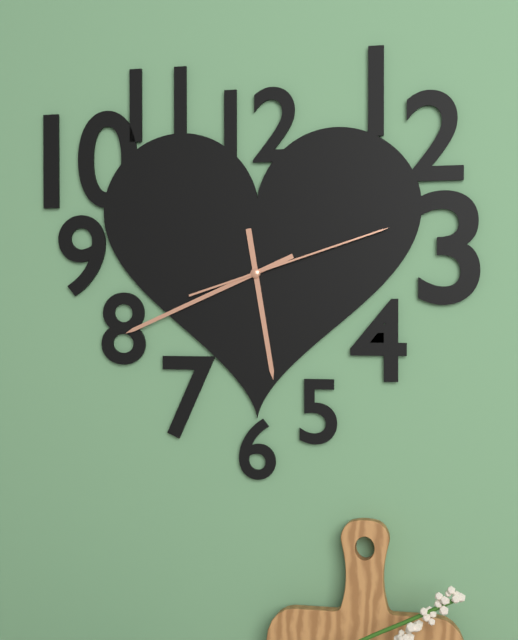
{"hour": 5, "minute": 41, "second": 12}
